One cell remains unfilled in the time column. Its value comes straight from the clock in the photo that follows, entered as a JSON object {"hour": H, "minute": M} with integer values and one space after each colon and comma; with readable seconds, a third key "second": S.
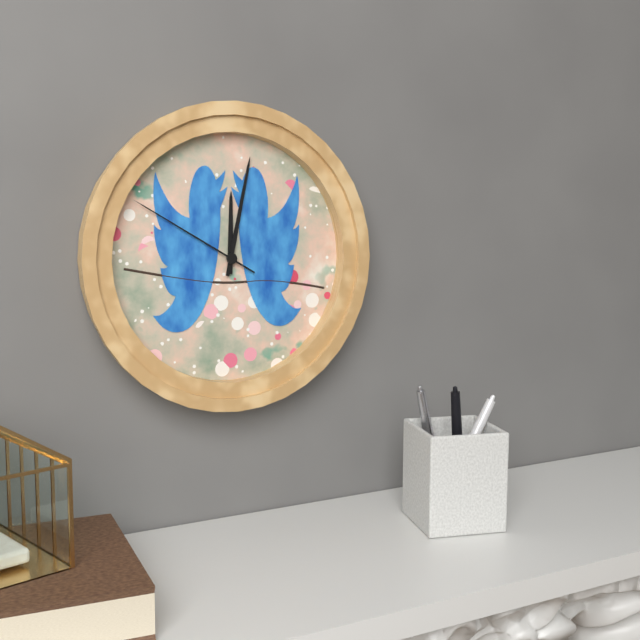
{"hour": 12, "minute": 2, "second": 50}
